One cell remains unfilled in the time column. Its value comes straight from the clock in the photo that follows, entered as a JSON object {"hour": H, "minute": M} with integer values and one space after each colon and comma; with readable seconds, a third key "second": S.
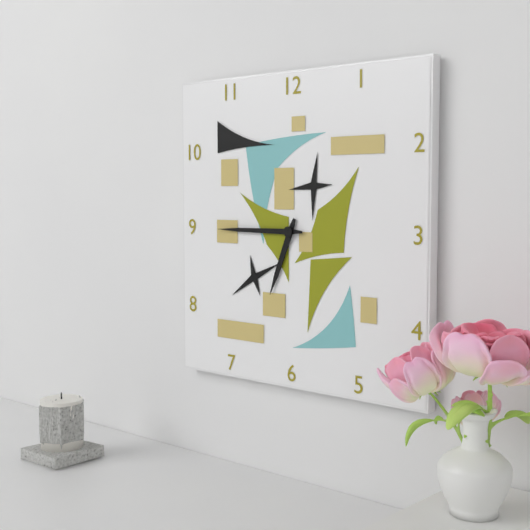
{"hour": 6, "minute": 45}
